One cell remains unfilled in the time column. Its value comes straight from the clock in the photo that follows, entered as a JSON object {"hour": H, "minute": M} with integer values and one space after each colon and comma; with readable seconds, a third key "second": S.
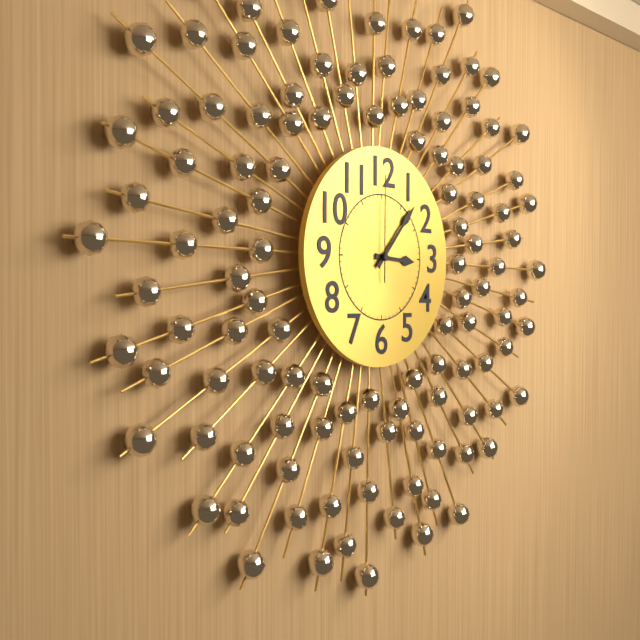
{"hour": 3, "minute": 7, "second": 0}
